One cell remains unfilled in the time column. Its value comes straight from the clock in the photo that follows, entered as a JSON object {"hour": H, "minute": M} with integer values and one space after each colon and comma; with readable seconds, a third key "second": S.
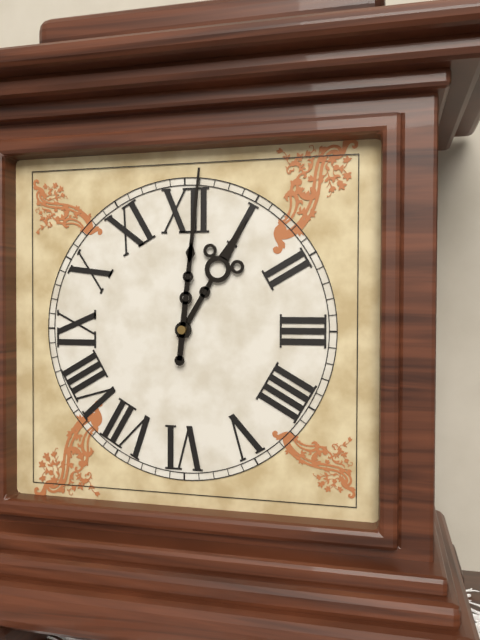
{"hour": 1, "minute": 1}
